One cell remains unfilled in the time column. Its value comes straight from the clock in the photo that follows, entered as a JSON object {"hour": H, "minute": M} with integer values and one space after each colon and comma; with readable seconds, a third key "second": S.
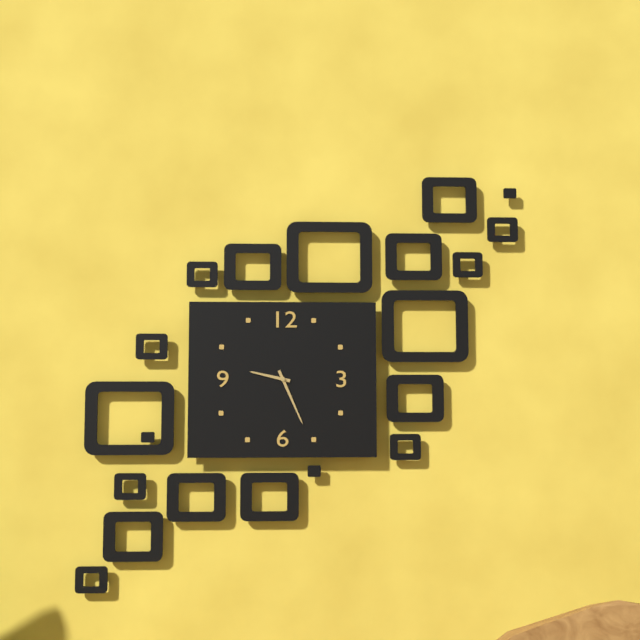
{"hour": 9, "minute": 26}
